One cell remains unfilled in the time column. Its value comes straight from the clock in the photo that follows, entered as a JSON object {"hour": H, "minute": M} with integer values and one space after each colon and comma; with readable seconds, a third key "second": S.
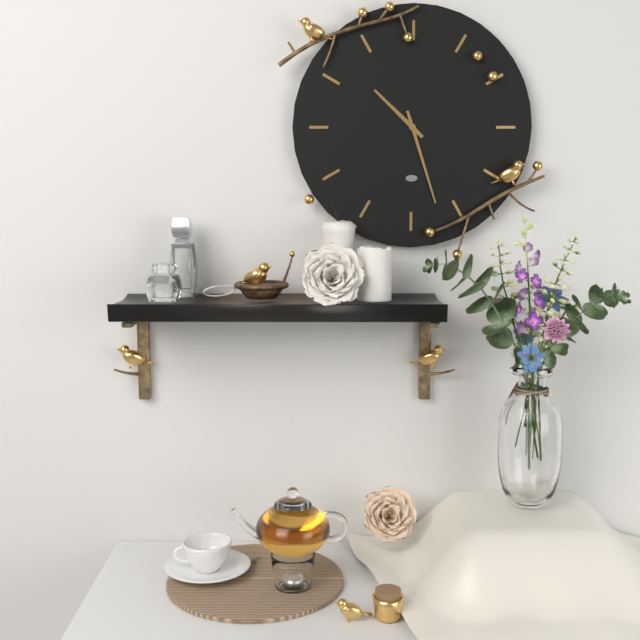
{"hour": 10, "minute": 27}
